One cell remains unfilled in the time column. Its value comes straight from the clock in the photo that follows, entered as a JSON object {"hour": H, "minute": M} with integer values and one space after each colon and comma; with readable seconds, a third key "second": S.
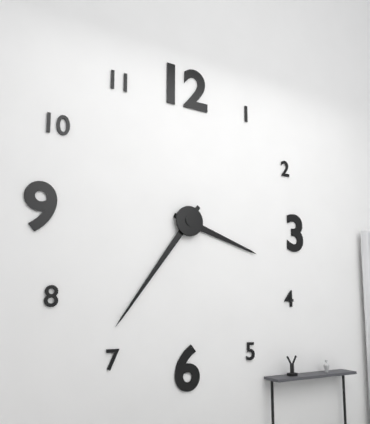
{"hour": 3, "minute": 36}
